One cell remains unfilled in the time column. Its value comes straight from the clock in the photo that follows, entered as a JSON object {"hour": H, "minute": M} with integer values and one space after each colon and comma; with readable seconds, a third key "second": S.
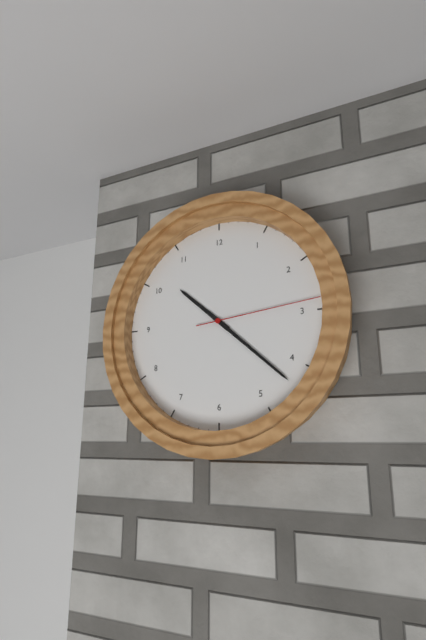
{"hour": 10, "minute": 22, "second": 14}
